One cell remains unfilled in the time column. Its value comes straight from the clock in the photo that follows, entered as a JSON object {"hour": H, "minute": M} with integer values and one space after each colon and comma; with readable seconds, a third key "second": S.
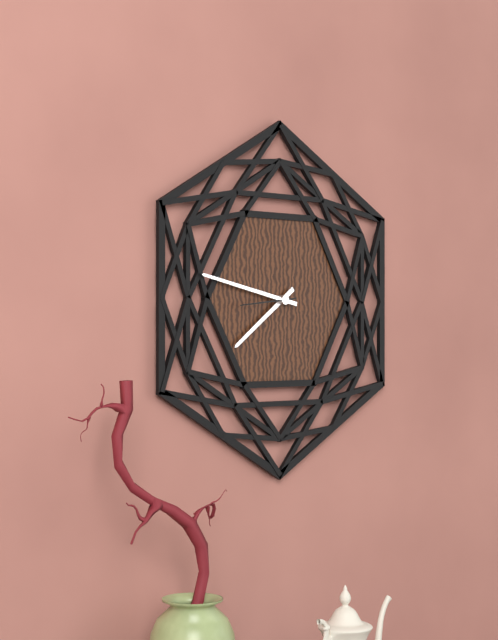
{"hour": 7, "minute": 47, "second": 44}
